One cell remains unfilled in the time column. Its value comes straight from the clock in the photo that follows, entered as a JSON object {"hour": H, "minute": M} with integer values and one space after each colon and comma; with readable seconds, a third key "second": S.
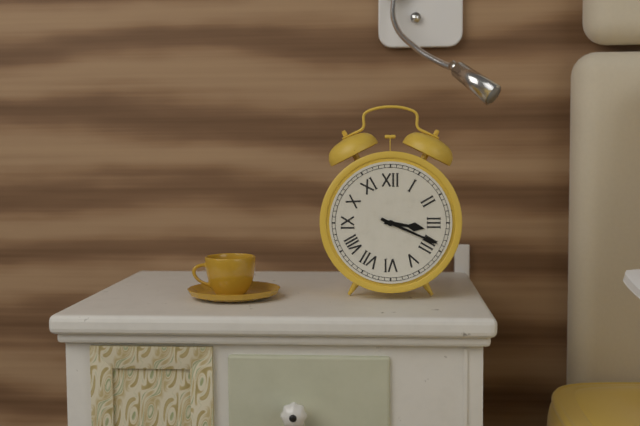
{"hour": 3, "minute": 19}
